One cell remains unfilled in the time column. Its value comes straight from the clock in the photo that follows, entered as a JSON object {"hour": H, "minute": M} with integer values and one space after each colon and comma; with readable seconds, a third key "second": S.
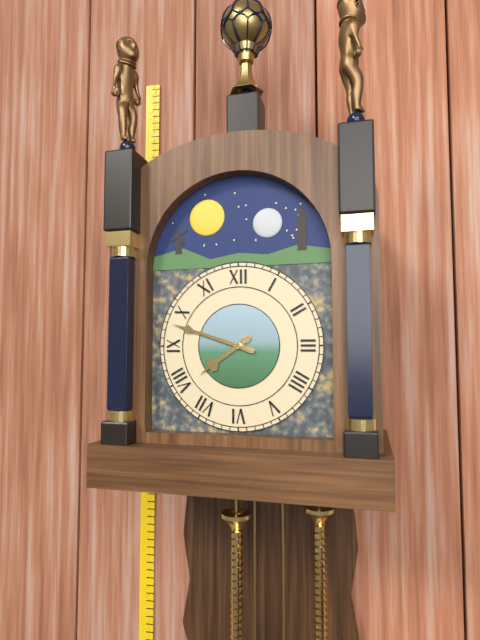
{"hour": 7, "minute": 48}
